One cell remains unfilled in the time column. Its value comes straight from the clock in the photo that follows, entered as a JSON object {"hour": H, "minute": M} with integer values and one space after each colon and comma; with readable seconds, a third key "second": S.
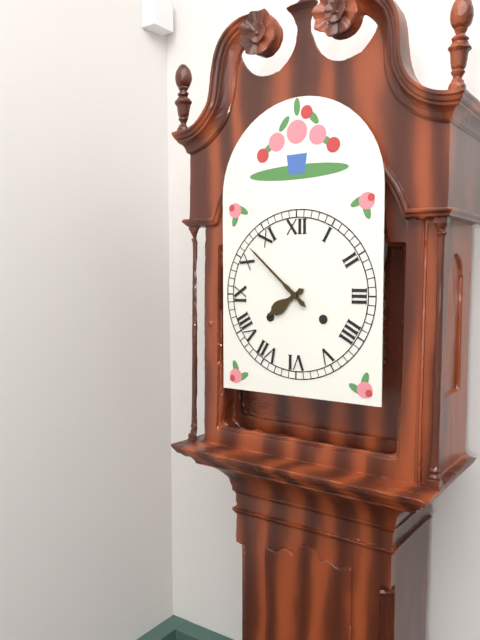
{"hour": 7, "minute": 52}
